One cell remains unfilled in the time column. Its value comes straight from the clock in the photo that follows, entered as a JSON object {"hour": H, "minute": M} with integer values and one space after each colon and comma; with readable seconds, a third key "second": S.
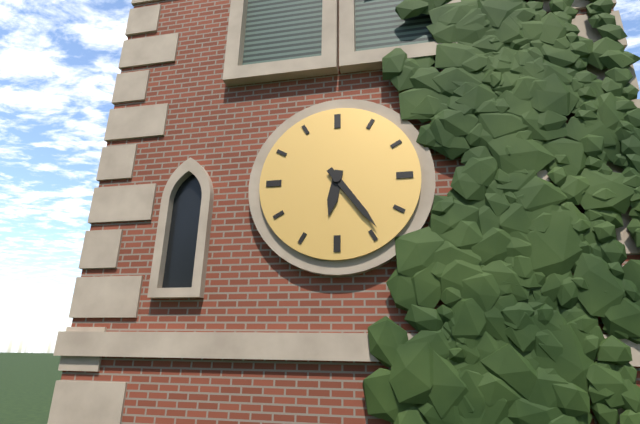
{"hour": 6, "minute": 24}
